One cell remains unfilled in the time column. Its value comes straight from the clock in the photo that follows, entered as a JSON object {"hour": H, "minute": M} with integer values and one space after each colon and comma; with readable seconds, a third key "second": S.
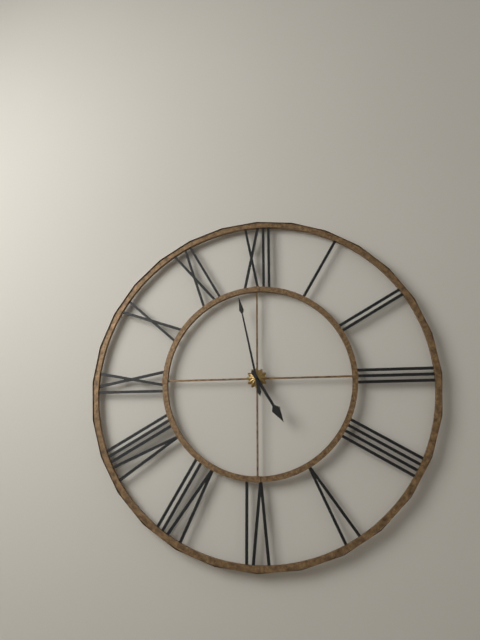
{"hour": 4, "minute": 58}
